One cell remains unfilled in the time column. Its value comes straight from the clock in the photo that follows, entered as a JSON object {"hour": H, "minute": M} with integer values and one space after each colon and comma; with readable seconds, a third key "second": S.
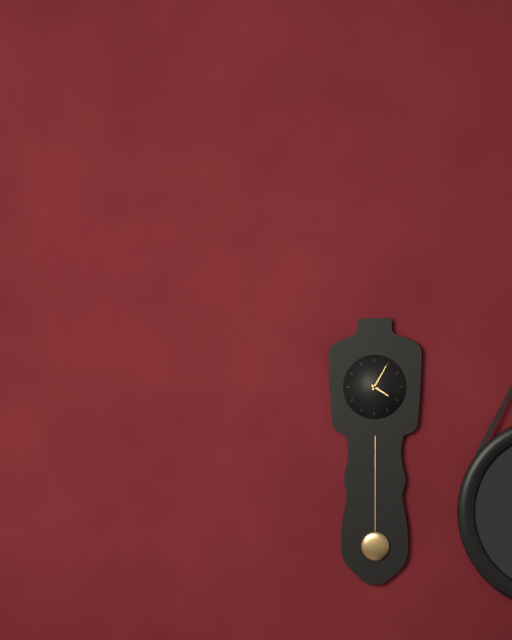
{"hour": 4, "minute": 5}
